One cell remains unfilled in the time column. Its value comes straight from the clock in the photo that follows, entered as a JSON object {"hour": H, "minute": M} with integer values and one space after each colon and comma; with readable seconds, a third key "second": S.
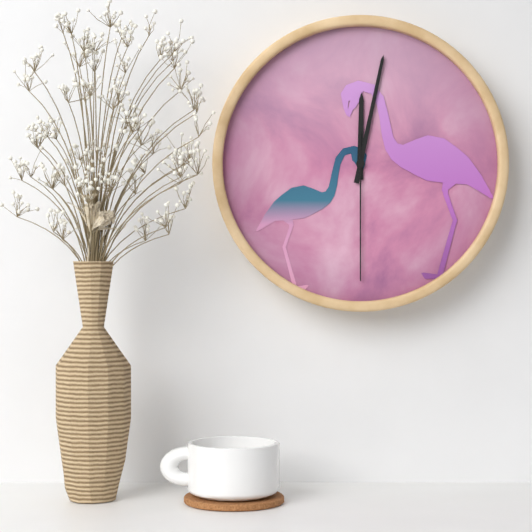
{"hour": 12, "minute": 2, "second": 30}
